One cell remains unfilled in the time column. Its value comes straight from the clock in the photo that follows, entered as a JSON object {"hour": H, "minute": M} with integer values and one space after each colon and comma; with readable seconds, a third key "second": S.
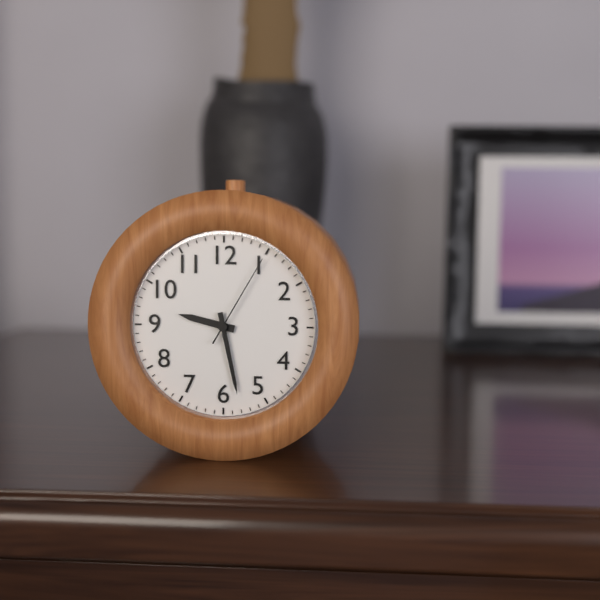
{"hour": 9, "minute": 28, "second": 5}
